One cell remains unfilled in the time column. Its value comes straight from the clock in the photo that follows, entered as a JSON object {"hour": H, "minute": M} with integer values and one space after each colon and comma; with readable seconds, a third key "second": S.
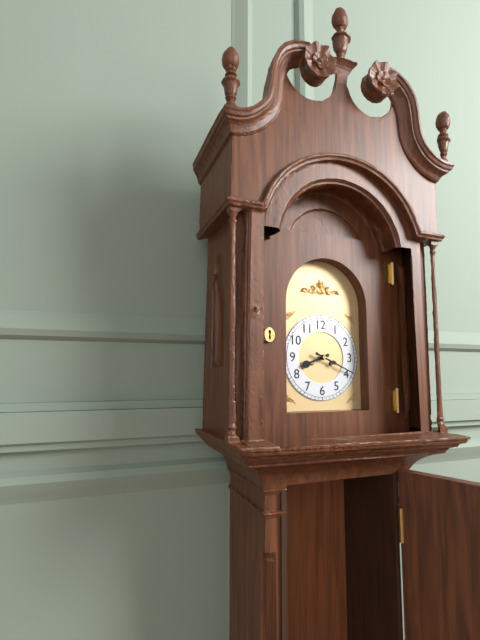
{"hour": 8, "minute": 19}
